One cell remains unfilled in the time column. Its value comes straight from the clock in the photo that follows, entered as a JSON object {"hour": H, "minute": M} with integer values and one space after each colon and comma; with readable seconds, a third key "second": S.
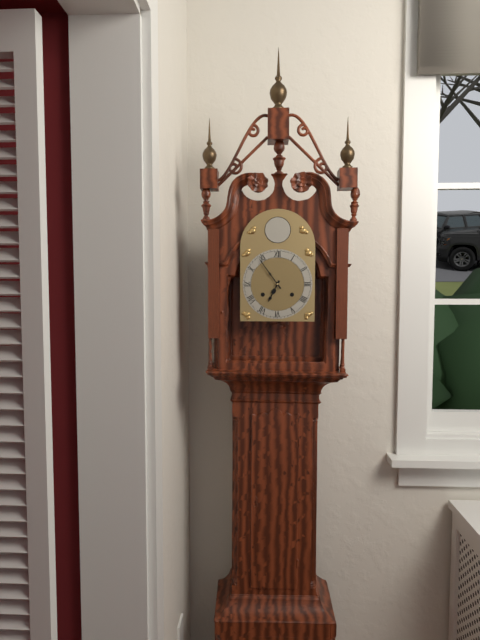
{"hour": 6, "minute": 54}
